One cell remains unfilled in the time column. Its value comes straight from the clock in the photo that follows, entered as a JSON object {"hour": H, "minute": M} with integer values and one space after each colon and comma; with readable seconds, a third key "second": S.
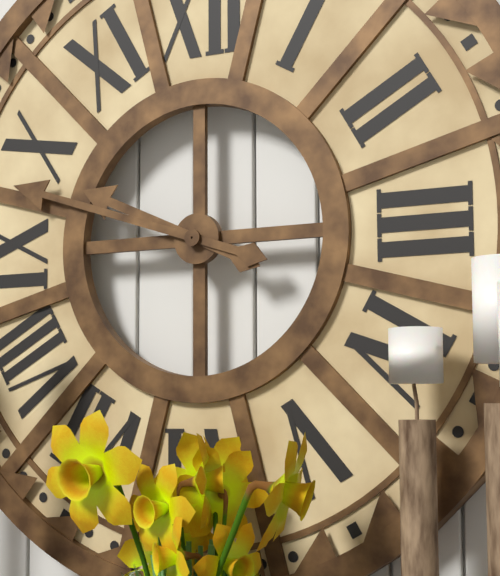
{"hour": 9, "minute": 48}
